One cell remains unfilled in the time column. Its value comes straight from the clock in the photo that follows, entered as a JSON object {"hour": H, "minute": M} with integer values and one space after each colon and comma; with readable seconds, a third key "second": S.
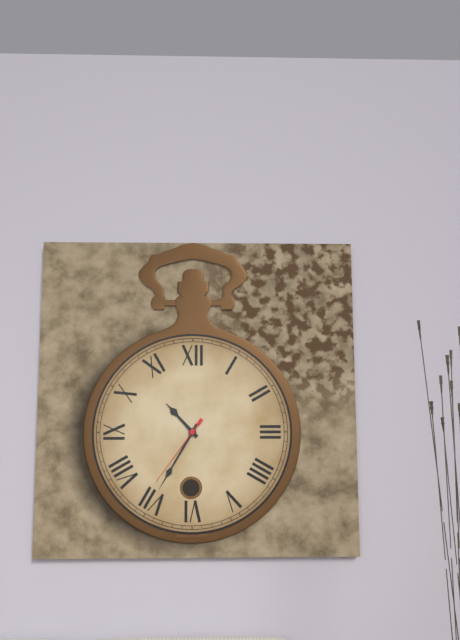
{"hour": 10, "minute": 35, "second": 36}
